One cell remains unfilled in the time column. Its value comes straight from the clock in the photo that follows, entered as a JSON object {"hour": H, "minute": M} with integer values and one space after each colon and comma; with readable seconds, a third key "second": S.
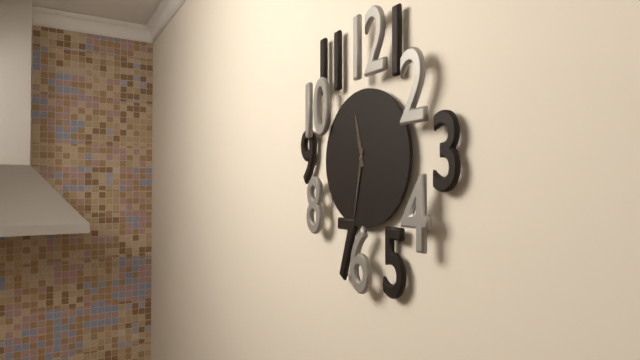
{"hour": 11, "minute": 32}
